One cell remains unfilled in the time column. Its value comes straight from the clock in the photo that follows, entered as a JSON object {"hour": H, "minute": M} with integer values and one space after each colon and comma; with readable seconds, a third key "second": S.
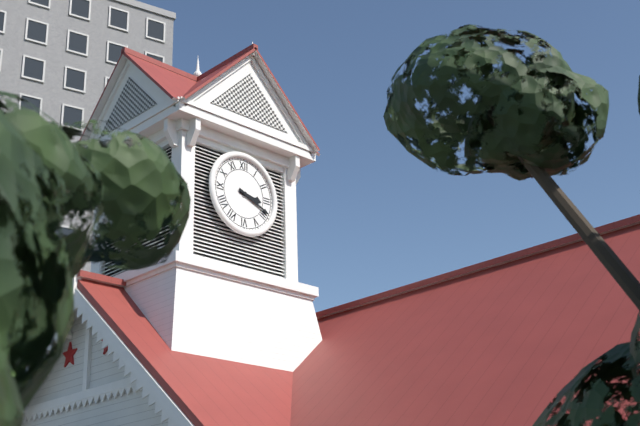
{"hour": 3, "minute": 19}
